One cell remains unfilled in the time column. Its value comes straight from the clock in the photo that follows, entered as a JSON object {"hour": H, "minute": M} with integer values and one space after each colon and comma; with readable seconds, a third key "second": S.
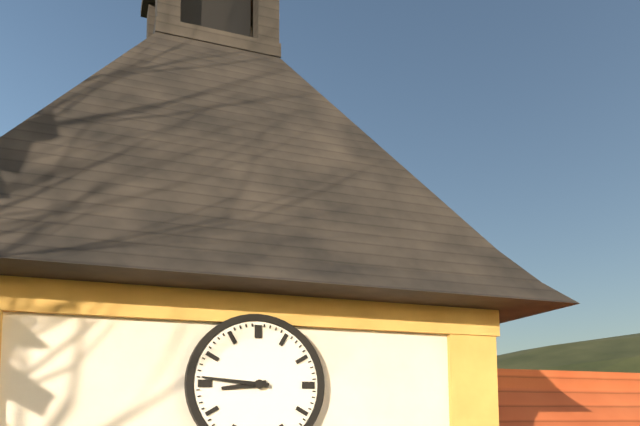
{"hour": 8, "minute": 46}
